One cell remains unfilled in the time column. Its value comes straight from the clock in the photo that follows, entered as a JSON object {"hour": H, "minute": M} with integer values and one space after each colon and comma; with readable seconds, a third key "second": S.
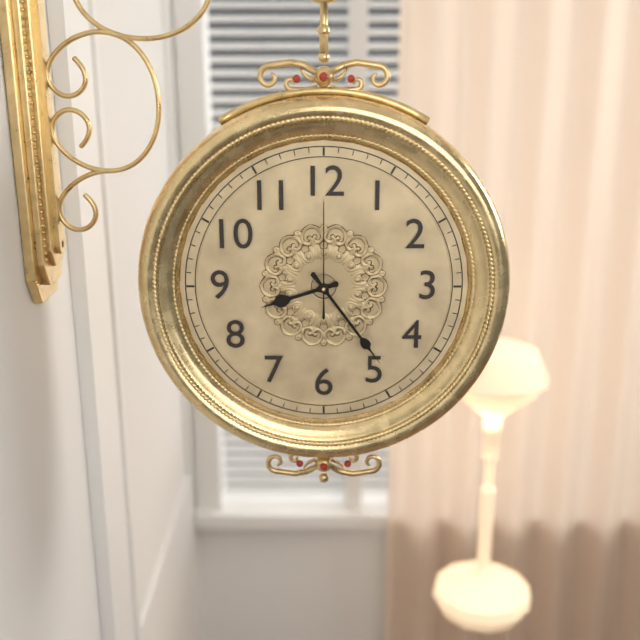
{"hour": 8, "minute": 24, "second": 0}
